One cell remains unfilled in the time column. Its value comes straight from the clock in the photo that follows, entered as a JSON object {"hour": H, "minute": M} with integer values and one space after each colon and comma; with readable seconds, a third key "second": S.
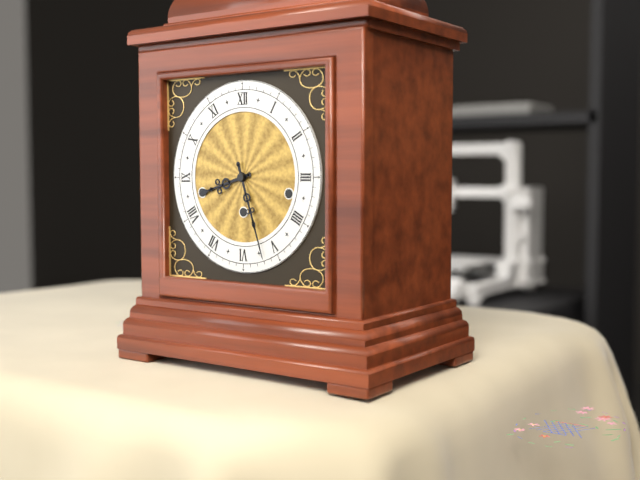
{"hour": 8, "minute": 27}
